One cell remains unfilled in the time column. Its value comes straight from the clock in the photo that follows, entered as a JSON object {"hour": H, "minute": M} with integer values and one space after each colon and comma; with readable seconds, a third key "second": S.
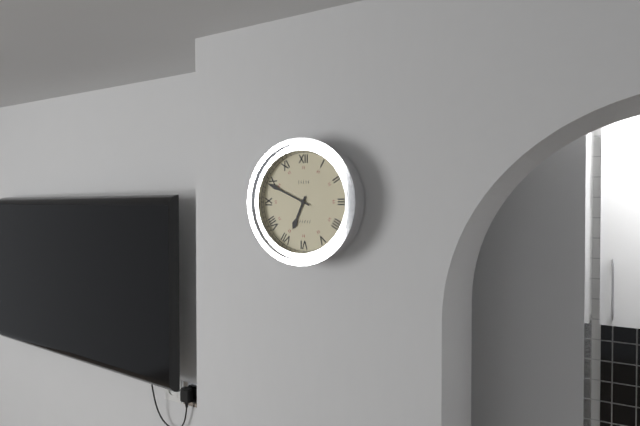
{"hour": 6, "minute": 49}
